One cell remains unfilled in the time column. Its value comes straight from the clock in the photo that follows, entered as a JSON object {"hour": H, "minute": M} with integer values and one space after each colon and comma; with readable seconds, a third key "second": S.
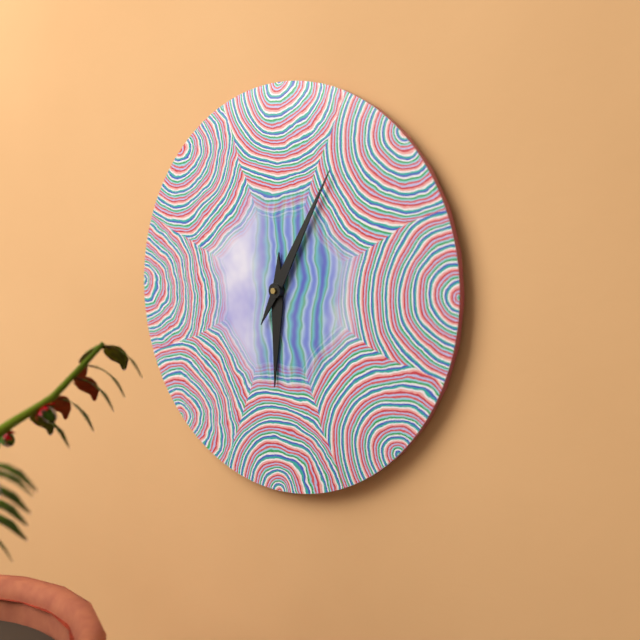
{"hour": 6, "minute": 5}
